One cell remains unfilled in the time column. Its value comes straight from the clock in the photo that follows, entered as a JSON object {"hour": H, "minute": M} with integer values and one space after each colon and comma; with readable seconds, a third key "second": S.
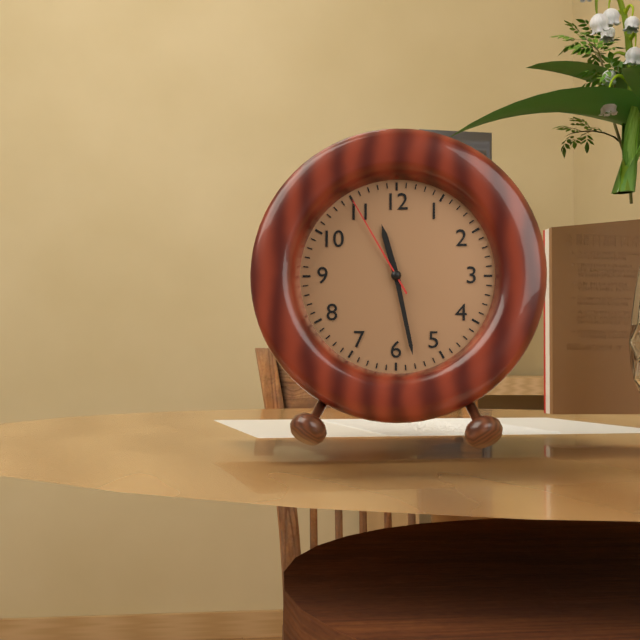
{"hour": 11, "minute": 28, "second": 55}
